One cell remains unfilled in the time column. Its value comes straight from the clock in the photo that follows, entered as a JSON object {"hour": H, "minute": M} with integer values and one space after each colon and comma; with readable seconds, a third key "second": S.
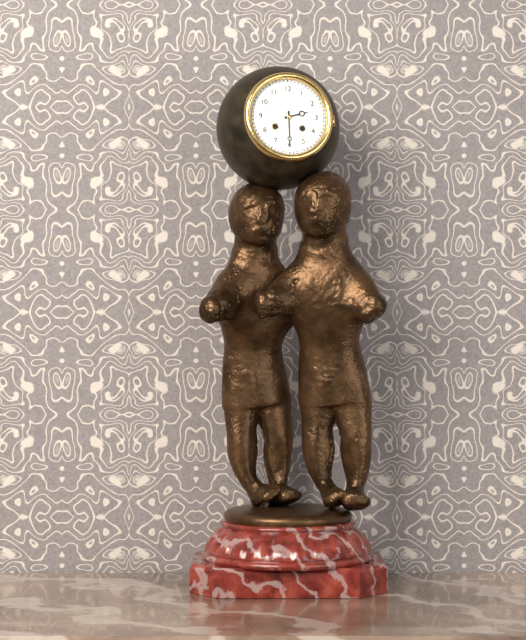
{"hour": 2, "minute": 30}
